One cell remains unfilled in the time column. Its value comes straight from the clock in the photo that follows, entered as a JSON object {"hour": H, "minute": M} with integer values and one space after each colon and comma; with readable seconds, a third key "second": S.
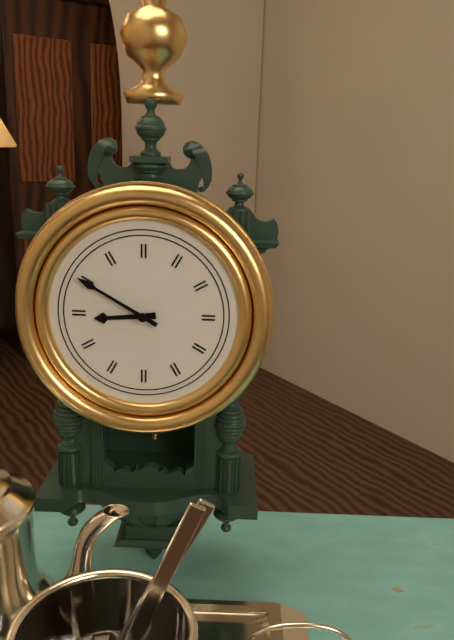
{"hour": 8, "minute": 50}
